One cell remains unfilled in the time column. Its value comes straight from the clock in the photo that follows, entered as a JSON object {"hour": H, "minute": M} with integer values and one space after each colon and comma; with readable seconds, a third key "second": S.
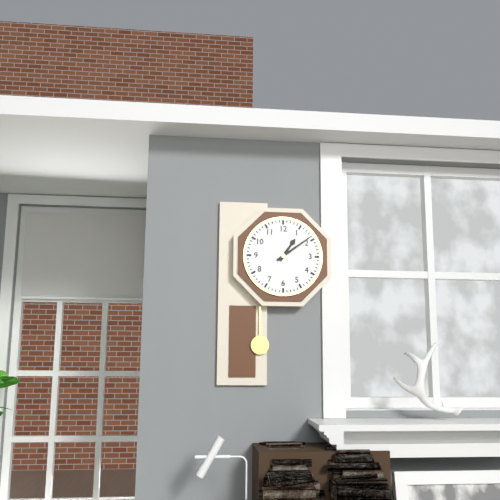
{"hour": 1, "minute": 9}
